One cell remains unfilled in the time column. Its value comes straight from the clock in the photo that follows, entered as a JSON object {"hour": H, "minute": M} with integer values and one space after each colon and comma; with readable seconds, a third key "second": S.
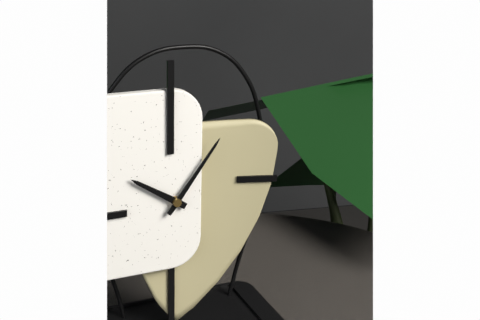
{"hour": 10, "minute": 6}
